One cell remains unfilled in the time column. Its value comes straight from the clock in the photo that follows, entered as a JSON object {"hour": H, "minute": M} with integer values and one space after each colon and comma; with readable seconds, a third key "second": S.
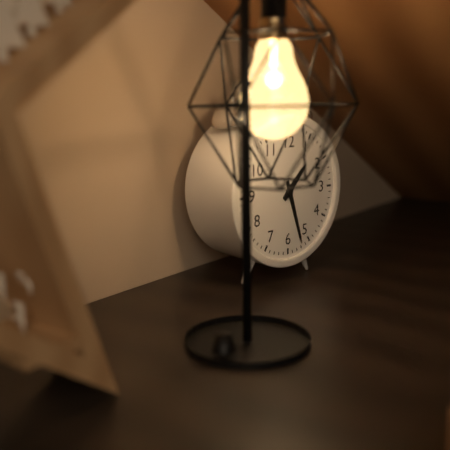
{"hour": 1, "minute": 27}
